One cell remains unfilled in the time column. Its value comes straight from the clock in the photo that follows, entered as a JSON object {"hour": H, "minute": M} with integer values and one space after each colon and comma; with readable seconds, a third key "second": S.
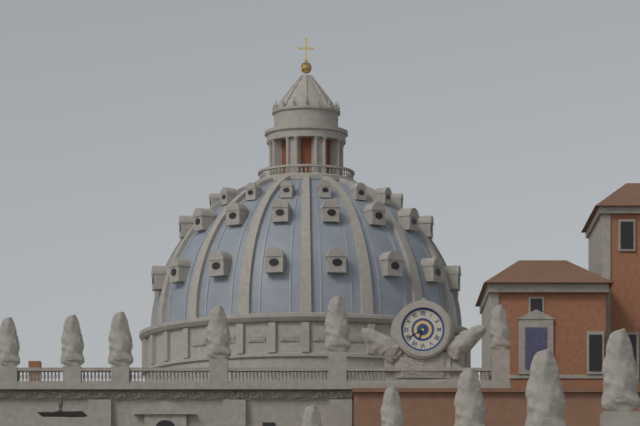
{"hour": 6, "minute": 40}
